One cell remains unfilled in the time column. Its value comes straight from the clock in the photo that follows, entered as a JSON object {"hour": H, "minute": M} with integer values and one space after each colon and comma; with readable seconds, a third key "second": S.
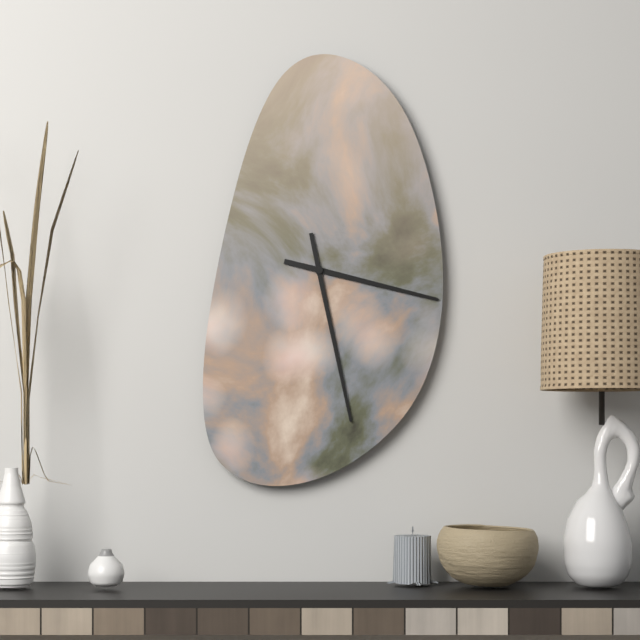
{"hour": 3, "minute": 28}
